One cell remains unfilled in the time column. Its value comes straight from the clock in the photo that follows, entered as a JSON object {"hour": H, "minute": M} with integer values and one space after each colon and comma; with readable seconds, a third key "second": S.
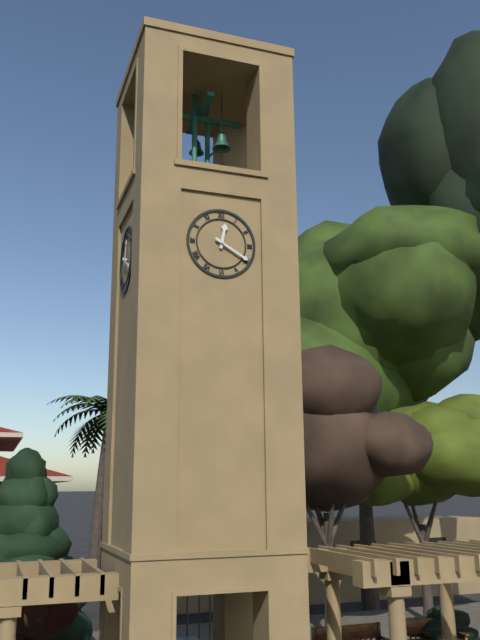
{"hour": 12, "minute": 20}
